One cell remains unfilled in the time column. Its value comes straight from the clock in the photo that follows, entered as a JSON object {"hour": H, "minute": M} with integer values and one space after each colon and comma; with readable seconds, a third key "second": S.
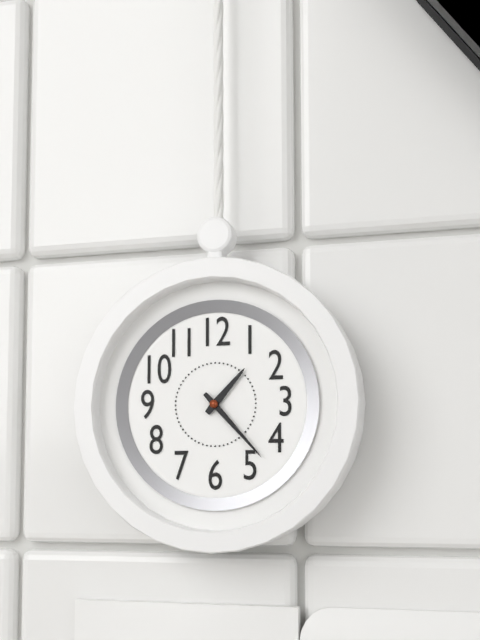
{"hour": 1, "minute": 23}
